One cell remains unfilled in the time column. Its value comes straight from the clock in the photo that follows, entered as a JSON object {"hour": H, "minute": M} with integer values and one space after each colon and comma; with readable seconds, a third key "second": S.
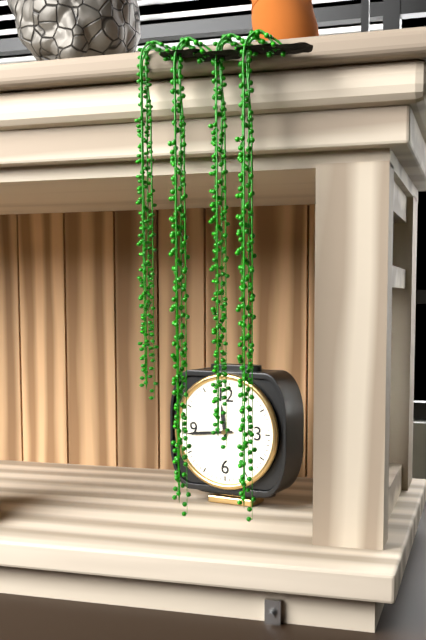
{"hour": 11, "minute": 44}
